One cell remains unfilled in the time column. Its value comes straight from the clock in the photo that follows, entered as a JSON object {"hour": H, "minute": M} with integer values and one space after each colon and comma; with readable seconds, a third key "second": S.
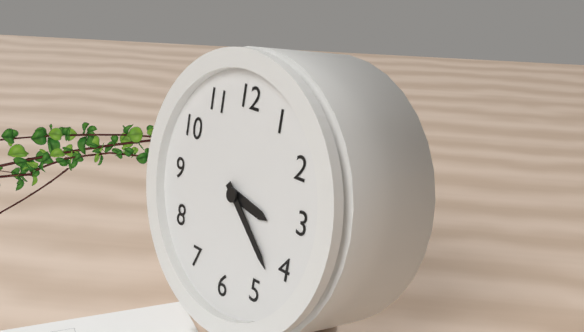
{"hour": 3, "minute": 22}
